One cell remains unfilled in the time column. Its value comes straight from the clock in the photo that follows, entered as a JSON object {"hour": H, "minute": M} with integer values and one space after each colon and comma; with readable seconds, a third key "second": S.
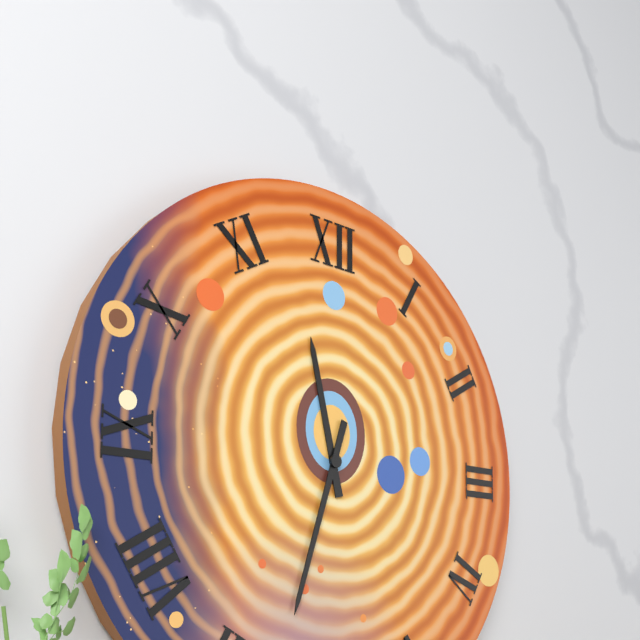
{"hour": 11, "minute": 33}
